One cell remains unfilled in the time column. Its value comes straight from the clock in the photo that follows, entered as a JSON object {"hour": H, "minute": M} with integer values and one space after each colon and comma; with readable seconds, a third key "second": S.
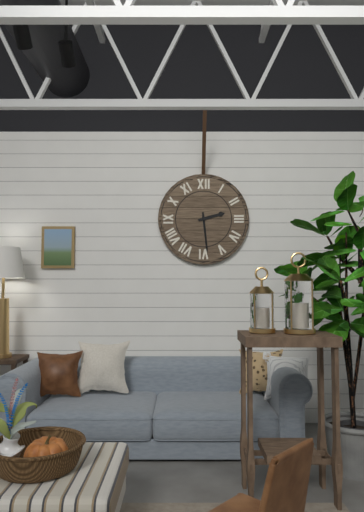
{"hour": 2, "minute": 29}
